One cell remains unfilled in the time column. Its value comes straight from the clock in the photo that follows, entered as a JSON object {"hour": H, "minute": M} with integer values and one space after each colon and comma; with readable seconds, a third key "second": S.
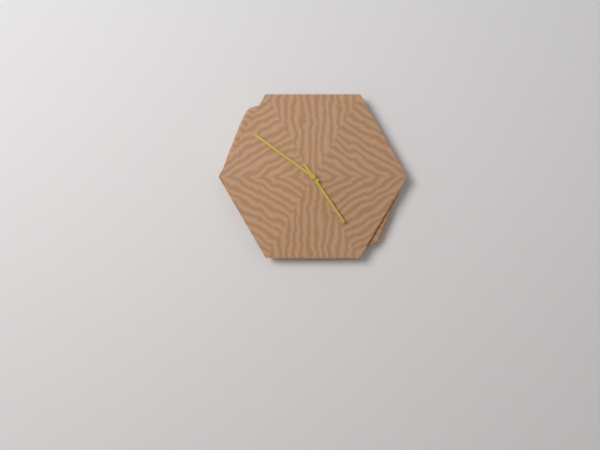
{"hour": 4, "minute": 51}
